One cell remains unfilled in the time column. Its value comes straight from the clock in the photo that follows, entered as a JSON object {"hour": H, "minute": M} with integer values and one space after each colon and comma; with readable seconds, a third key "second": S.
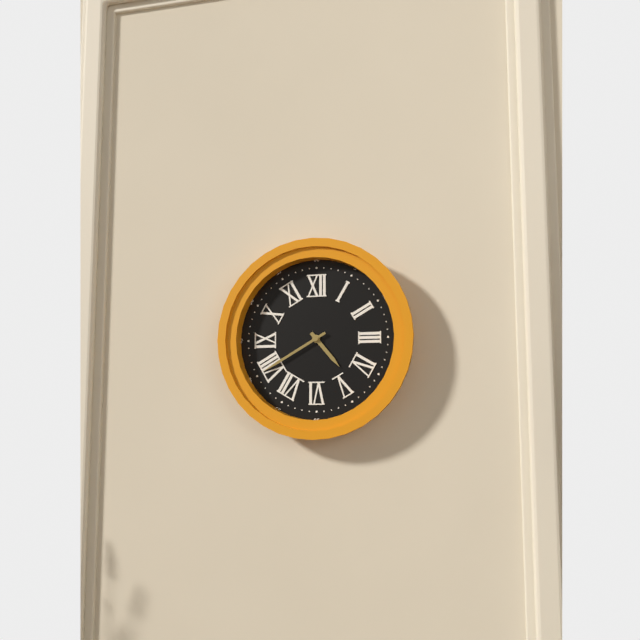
{"hour": 4, "minute": 40}
